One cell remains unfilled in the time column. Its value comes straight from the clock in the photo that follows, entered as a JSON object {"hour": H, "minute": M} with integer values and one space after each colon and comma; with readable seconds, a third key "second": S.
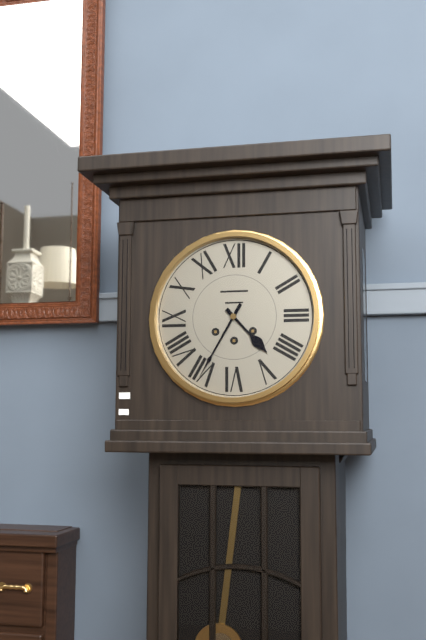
{"hour": 4, "minute": 35}
